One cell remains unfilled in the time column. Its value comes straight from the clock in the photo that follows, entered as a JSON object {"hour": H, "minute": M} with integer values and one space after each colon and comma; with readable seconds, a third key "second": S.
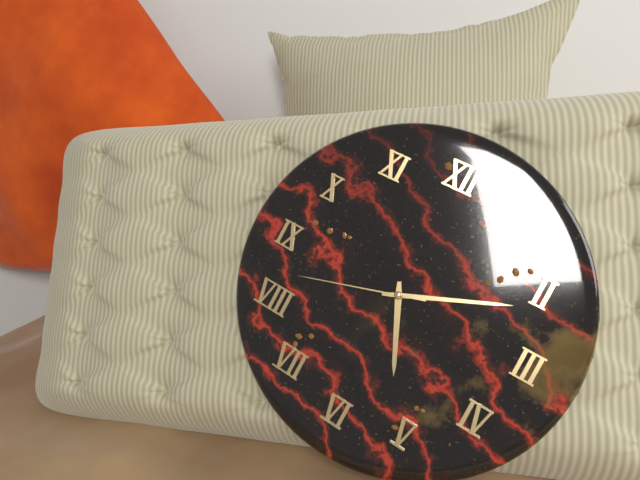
{"hour": 5, "minute": 11, "second": 42}
